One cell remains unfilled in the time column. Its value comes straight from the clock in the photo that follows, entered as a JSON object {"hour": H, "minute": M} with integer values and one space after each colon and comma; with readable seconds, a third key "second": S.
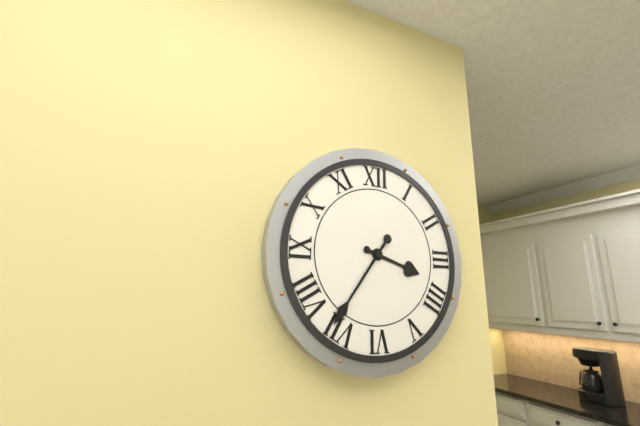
{"hour": 3, "minute": 36}
